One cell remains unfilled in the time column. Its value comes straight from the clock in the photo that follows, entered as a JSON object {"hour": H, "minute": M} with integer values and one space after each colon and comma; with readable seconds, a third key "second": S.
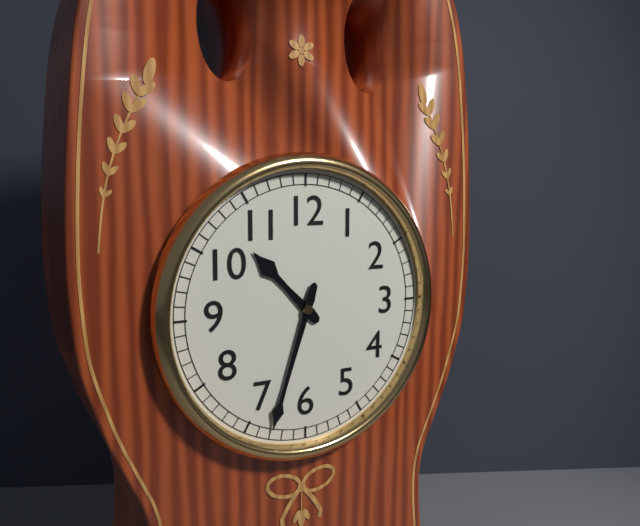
{"hour": 10, "minute": 33}
